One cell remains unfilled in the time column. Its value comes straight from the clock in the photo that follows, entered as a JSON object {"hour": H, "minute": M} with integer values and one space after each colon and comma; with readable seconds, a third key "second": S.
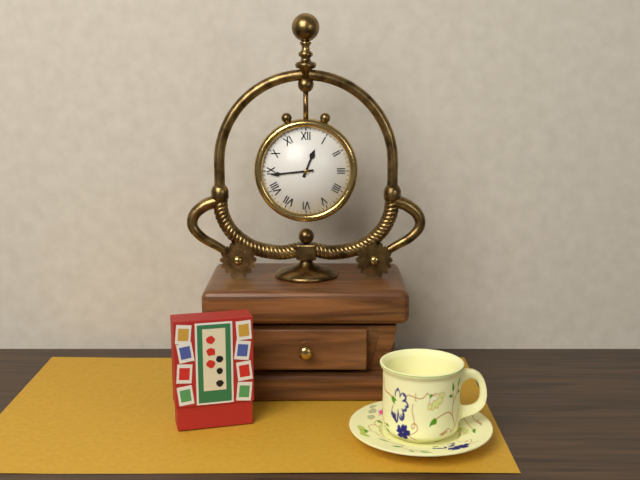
{"hour": 12, "minute": 44}
